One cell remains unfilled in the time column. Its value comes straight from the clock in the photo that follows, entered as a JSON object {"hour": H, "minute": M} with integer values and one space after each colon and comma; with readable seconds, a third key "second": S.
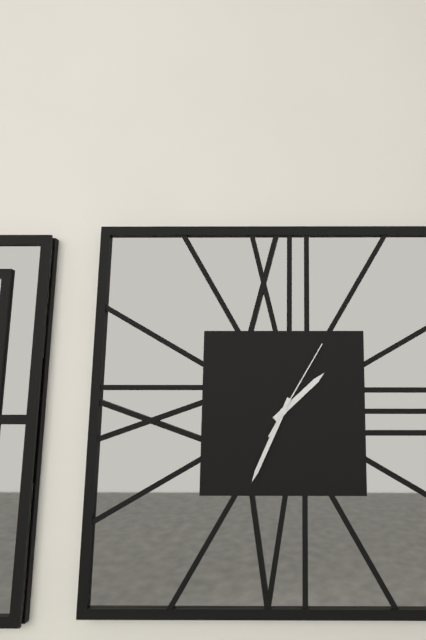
{"hour": 1, "minute": 34, "second": 5}
